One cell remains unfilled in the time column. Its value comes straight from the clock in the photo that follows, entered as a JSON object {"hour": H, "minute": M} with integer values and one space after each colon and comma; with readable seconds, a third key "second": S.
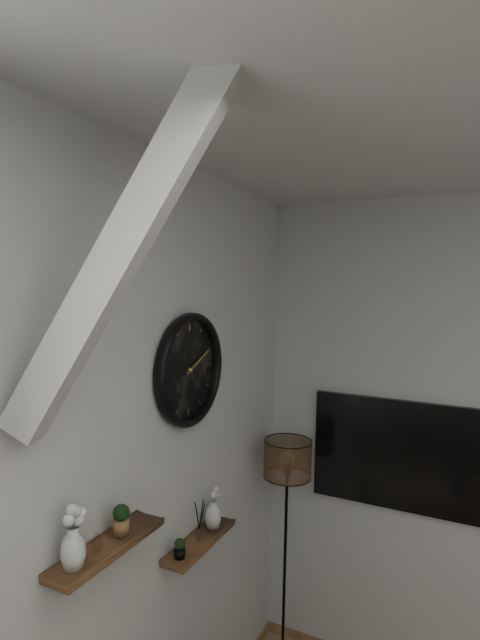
{"hour": 2, "minute": 11}
